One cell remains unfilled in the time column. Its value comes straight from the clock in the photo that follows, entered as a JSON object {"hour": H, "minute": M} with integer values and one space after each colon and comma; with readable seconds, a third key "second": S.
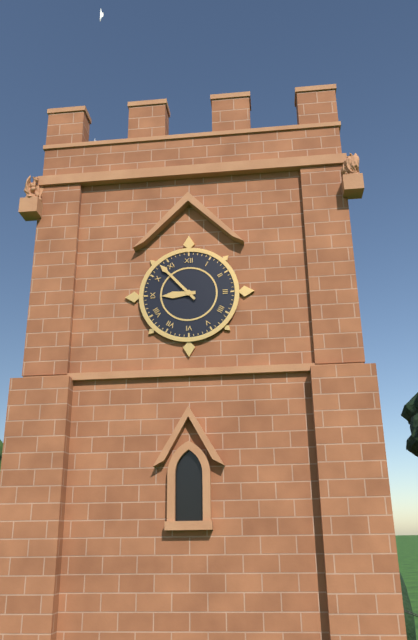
{"hour": 8, "minute": 53}
